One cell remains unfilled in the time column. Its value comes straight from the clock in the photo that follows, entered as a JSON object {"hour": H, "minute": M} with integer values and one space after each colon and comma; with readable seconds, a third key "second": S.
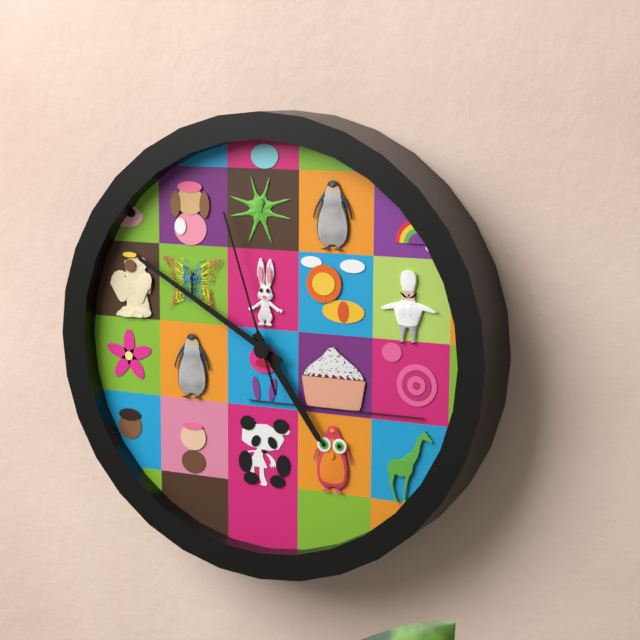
{"hour": 4, "minute": 50, "second": 57}
